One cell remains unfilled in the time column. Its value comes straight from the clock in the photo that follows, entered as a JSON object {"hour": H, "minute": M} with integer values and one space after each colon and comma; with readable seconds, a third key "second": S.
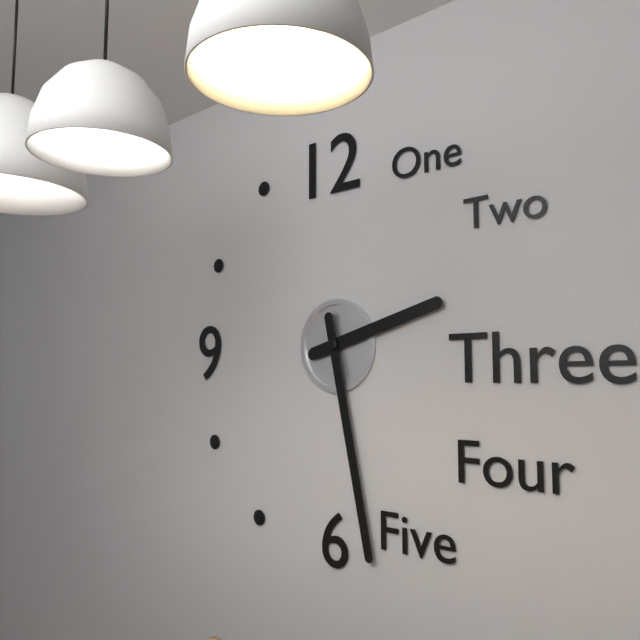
{"hour": 2, "minute": 28}
